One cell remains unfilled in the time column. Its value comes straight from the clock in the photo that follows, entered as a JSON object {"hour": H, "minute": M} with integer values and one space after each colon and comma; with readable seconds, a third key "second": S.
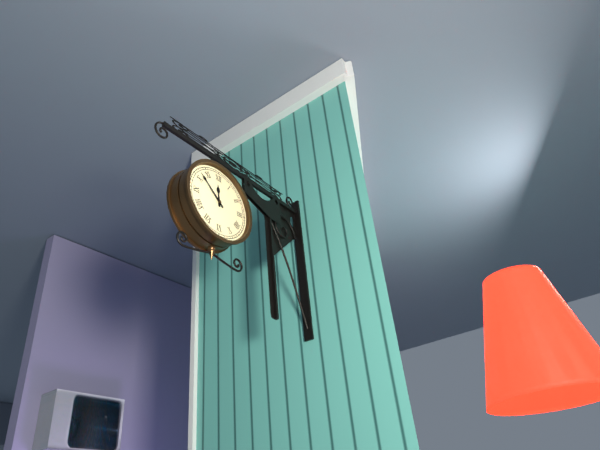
{"hour": 11, "minute": 52}
